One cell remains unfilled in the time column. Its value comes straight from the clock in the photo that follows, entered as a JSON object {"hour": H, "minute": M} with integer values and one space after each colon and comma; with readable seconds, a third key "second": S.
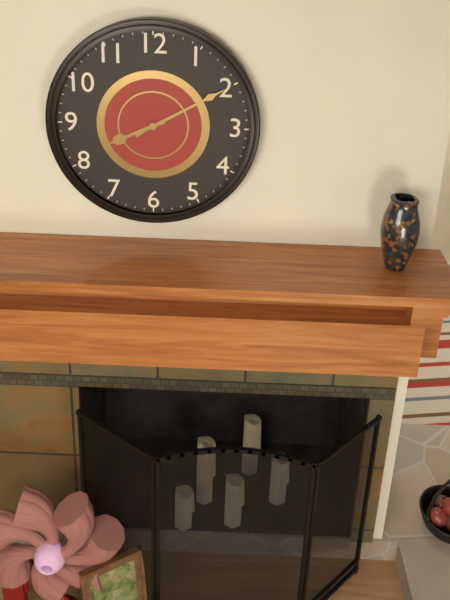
{"hour": 8, "minute": 10}
